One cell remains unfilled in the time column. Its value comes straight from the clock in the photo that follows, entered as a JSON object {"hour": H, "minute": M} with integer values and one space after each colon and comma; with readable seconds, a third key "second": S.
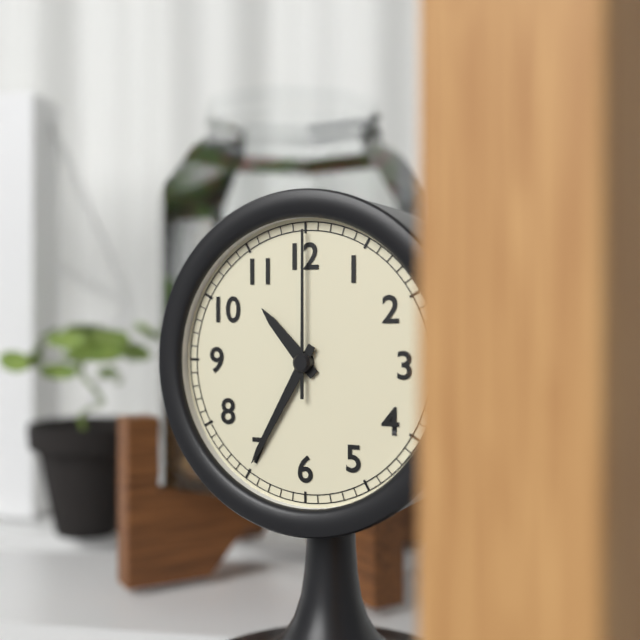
{"hour": 10, "minute": 35, "second": 0}
